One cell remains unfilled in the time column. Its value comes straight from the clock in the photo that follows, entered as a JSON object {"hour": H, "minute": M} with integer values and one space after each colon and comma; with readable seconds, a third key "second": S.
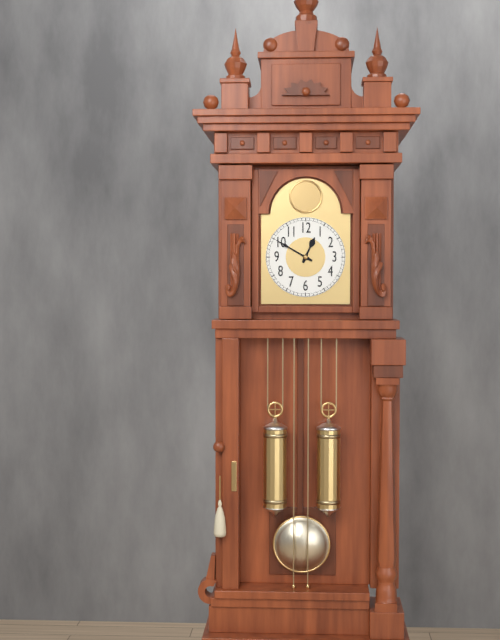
{"hour": 12, "minute": 50}
